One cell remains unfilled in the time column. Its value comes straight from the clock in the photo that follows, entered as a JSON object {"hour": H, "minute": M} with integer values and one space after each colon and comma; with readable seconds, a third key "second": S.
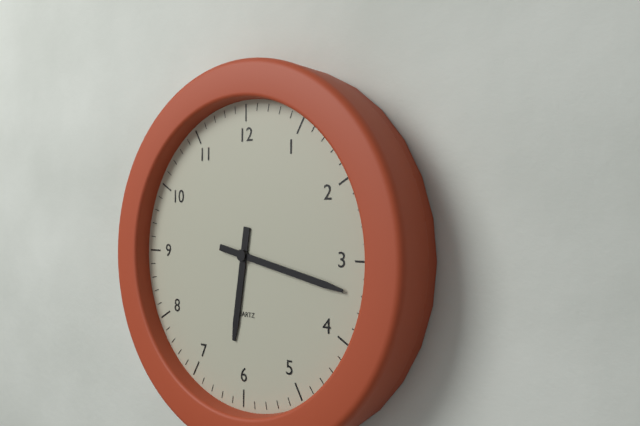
{"hour": 6, "minute": 17}
